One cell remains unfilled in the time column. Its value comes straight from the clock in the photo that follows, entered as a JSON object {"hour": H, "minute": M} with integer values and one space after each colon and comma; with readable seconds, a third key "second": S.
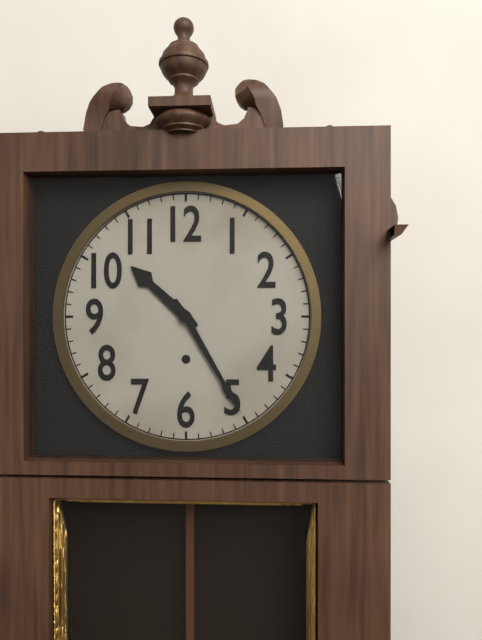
{"hour": 10, "minute": 25}
